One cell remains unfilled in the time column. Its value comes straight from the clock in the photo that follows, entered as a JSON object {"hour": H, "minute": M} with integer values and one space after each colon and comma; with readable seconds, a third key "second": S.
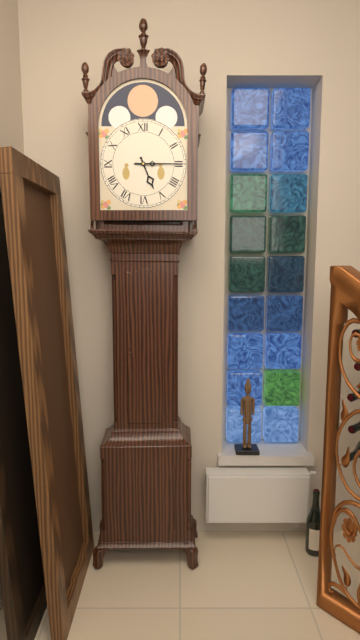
{"hour": 5, "minute": 15}
